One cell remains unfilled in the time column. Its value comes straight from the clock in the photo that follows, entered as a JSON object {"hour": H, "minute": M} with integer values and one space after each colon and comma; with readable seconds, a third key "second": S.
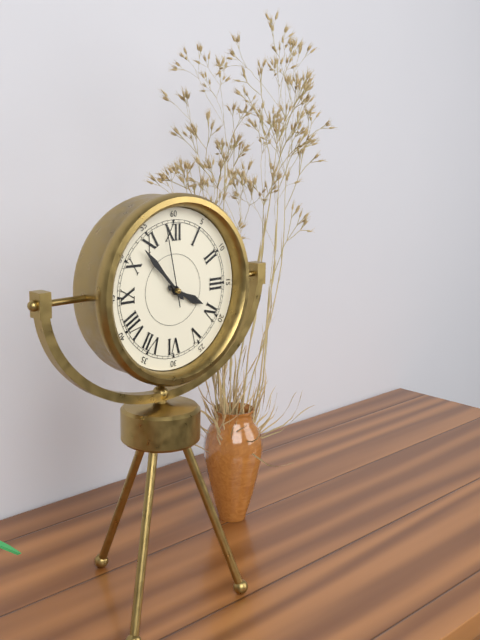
{"hour": 3, "minute": 53, "second": 58}
